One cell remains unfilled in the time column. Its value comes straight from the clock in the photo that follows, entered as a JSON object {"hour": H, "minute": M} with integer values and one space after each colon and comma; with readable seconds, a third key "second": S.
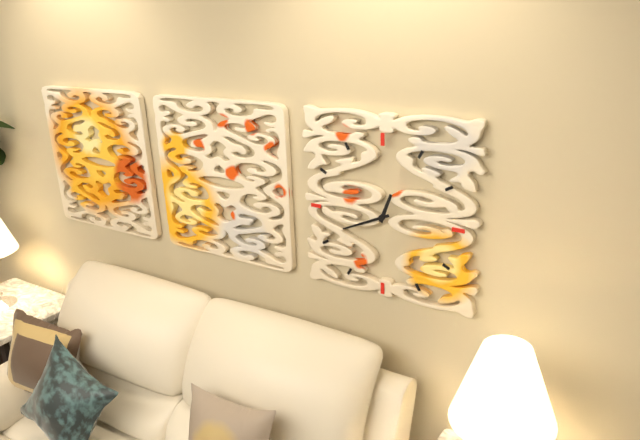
{"hour": 12, "minute": 41}
